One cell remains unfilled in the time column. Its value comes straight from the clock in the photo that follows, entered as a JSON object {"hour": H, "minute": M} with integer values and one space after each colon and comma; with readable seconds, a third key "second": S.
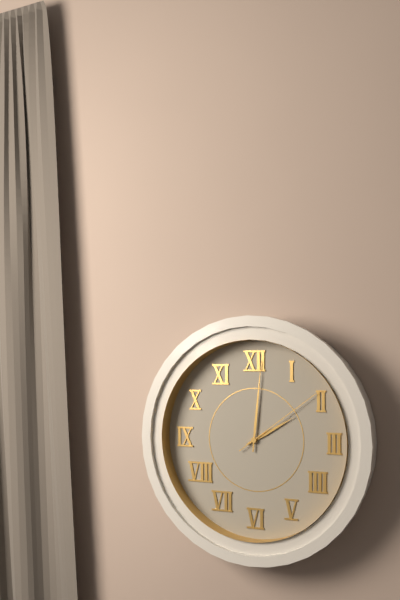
{"hour": 2, "minute": 1, "second": 9}
